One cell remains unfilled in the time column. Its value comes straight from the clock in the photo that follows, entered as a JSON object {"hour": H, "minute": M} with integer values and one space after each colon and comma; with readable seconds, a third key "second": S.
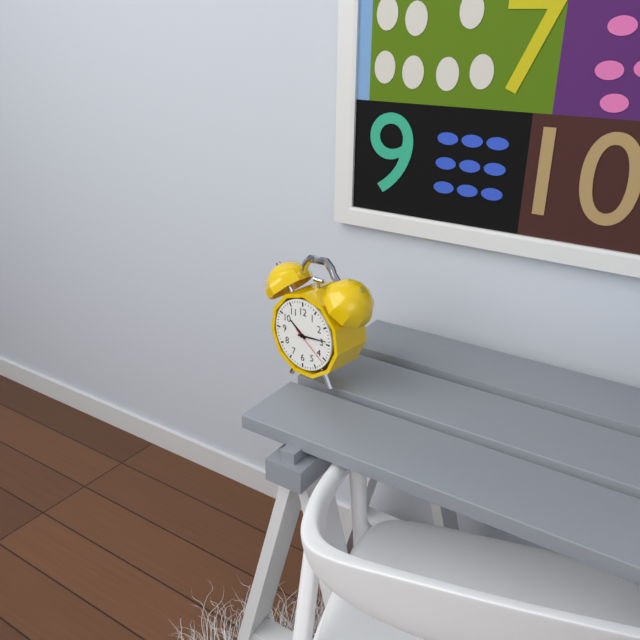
{"hour": 10, "minute": 14}
